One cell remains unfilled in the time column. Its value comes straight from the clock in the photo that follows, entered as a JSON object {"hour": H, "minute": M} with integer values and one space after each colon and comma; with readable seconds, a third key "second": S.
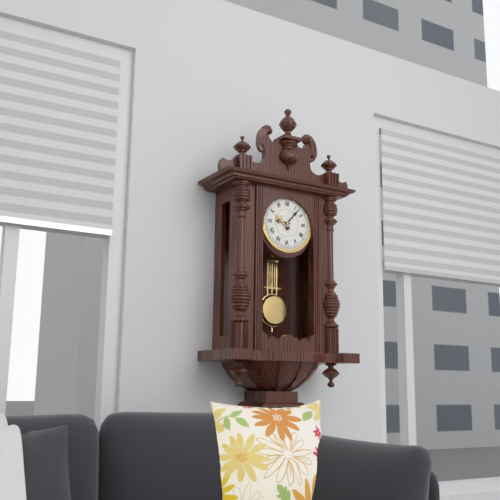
{"hour": 9, "minute": 7}
